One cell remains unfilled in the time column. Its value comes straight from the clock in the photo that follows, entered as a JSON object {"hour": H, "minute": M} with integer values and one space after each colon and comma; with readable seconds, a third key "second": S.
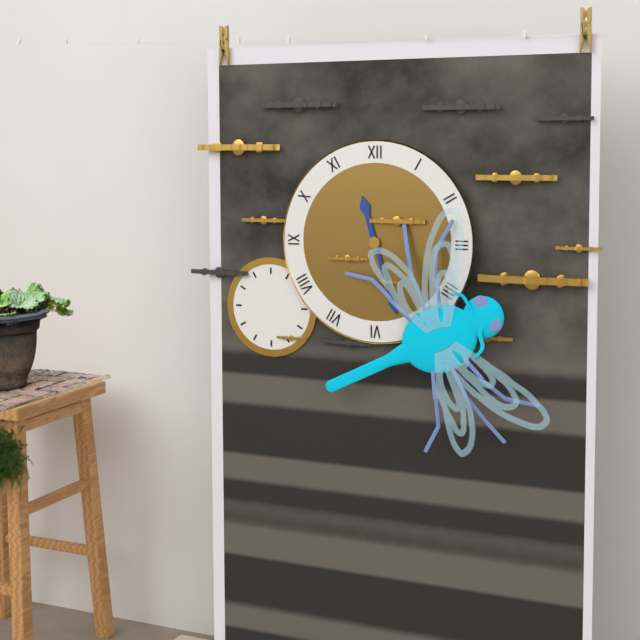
{"hour": 11, "minute": 27}
